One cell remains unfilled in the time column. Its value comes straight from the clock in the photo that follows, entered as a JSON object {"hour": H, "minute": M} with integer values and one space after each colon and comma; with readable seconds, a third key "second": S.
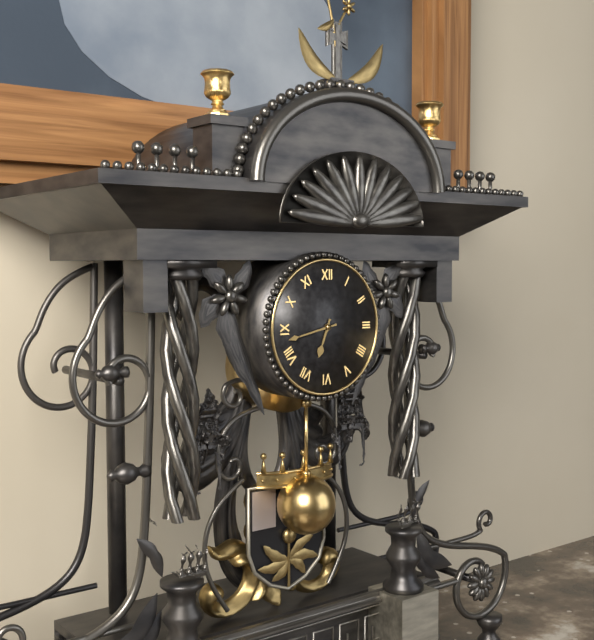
{"hour": 6, "minute": 43}
